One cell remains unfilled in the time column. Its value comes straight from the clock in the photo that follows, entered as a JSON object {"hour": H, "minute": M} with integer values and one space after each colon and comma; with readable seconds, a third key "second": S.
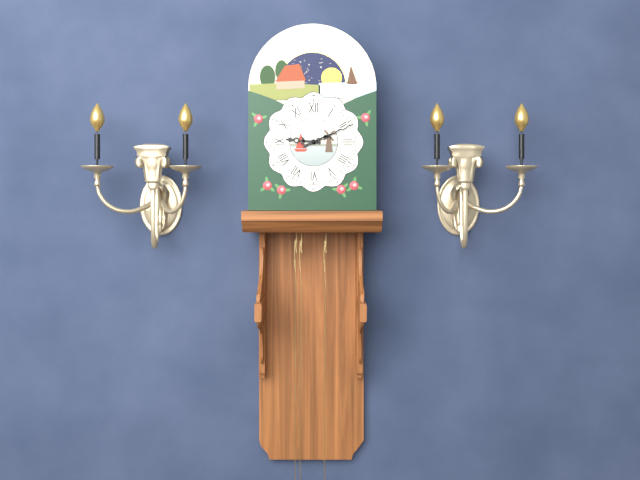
{"hour": 9, "minute": 11}
